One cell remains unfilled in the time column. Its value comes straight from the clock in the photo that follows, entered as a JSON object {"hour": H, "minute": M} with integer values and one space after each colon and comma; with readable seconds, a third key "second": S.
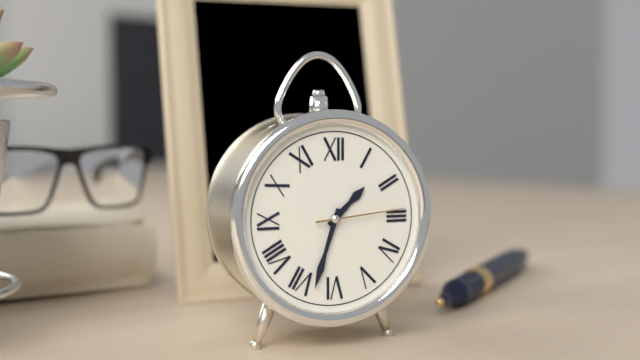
{"hour": 1, "minute": 33, "second": 14}
